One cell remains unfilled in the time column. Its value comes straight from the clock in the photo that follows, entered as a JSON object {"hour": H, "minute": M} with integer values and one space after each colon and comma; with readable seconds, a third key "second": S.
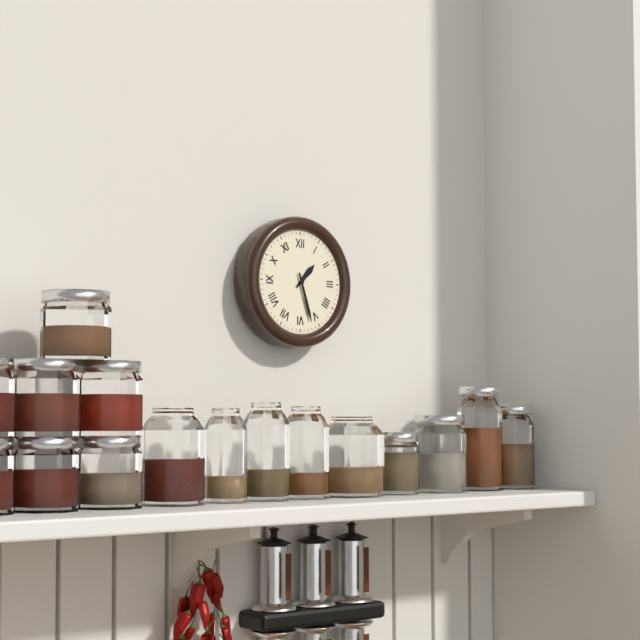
{"hour": 1, "minute": 27}
